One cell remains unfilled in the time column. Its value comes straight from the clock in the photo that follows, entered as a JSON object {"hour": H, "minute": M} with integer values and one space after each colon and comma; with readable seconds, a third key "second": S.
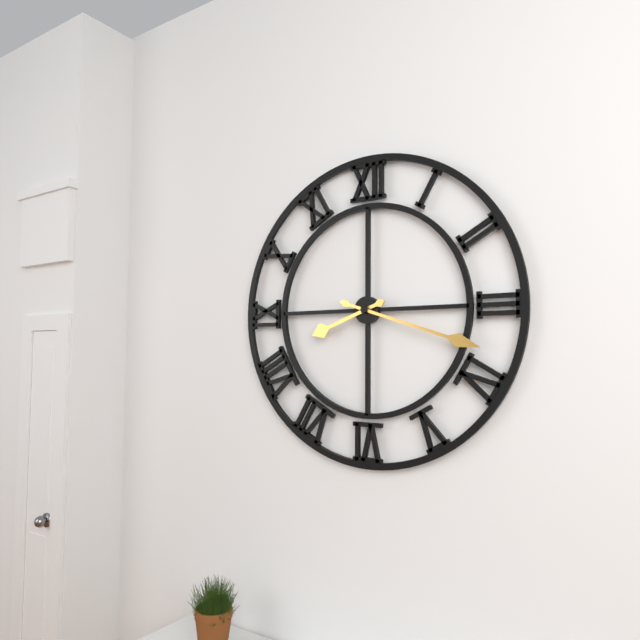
{"hour": 8, "minute": 18}
